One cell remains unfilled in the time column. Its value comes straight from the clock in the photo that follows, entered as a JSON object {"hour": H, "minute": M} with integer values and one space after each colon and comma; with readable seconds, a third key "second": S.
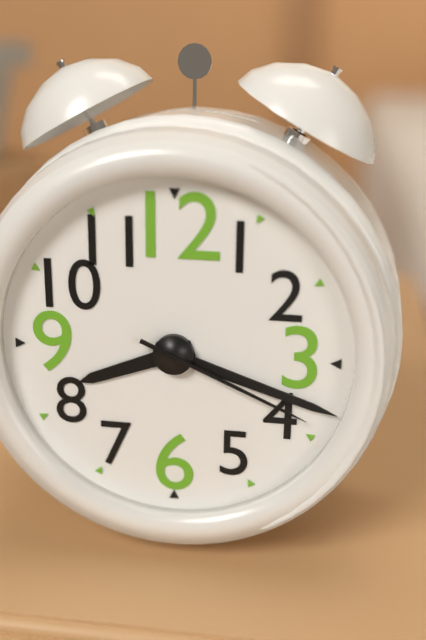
{"hour": 8, "minute": 18, "second": 19}
